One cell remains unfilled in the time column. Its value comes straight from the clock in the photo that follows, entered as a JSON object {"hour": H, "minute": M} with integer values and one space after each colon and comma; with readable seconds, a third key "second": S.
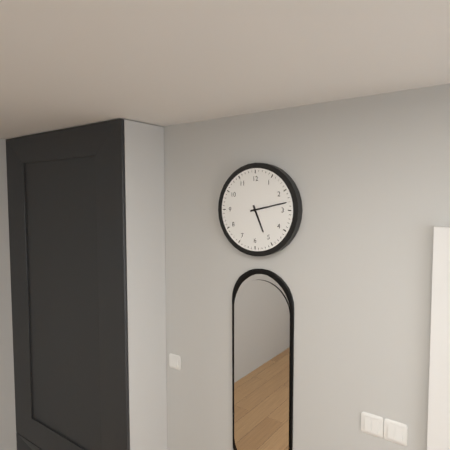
{"hour": 5, "minute": 13}
